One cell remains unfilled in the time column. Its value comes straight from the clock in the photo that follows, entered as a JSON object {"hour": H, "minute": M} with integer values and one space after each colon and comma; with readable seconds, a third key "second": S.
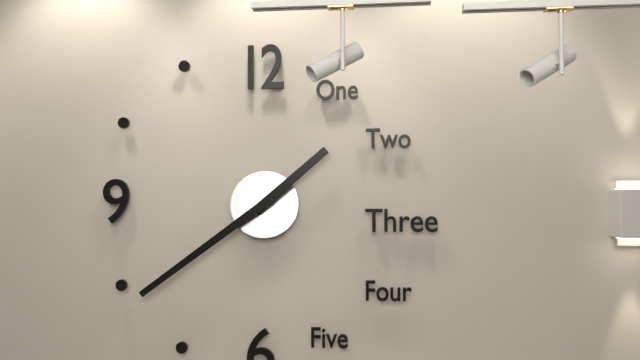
{"hour": 1, "minute": 39}
